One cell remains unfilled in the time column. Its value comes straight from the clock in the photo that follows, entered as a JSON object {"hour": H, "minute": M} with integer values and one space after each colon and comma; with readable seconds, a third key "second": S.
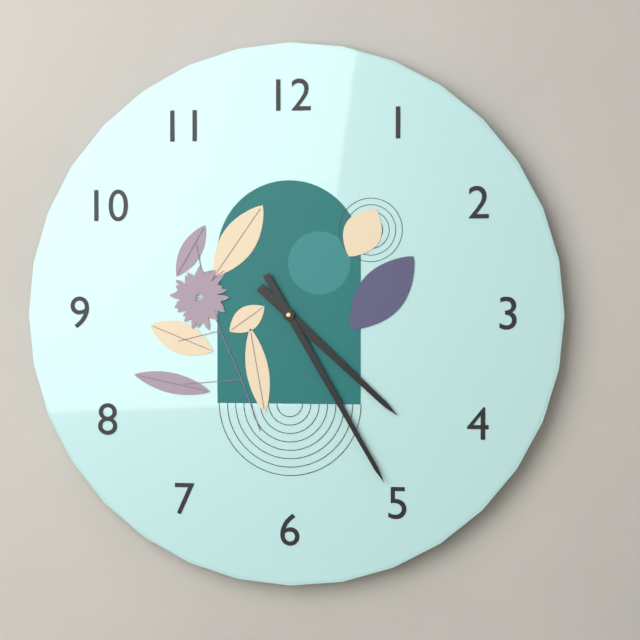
{"hour": 4, "minute": 25}
